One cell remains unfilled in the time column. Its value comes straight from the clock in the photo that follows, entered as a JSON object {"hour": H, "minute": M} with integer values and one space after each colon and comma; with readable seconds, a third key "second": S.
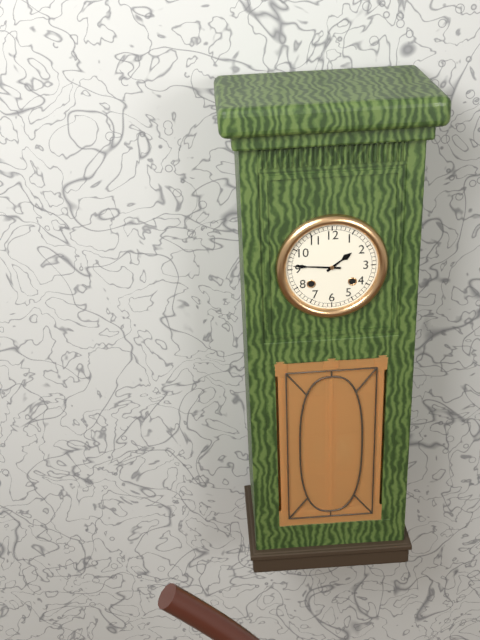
{"hour": 1, "minute": 46}
